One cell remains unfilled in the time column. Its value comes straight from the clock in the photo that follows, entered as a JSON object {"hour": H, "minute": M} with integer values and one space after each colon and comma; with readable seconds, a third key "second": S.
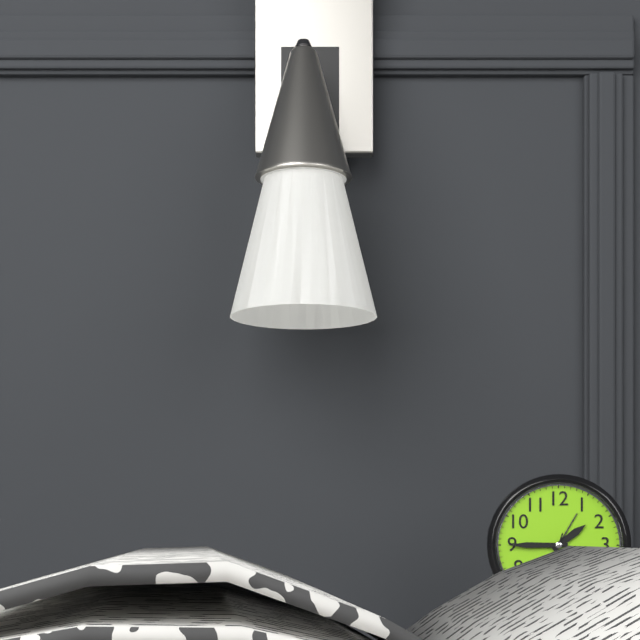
{"hour": 1, "minute": 45}
